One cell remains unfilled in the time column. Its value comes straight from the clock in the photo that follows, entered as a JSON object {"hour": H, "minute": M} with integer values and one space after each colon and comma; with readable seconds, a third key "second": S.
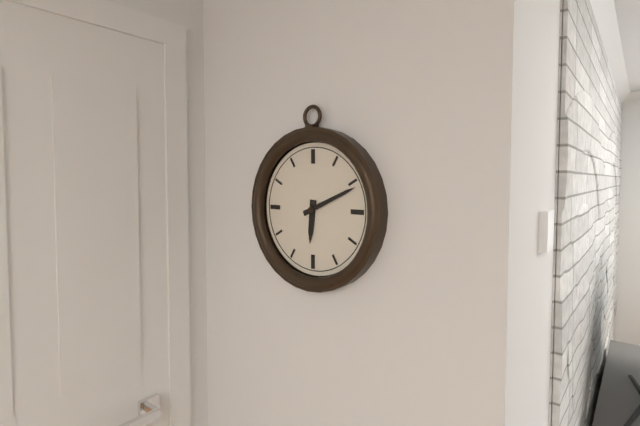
{"hour": 6, "minute": 11}
